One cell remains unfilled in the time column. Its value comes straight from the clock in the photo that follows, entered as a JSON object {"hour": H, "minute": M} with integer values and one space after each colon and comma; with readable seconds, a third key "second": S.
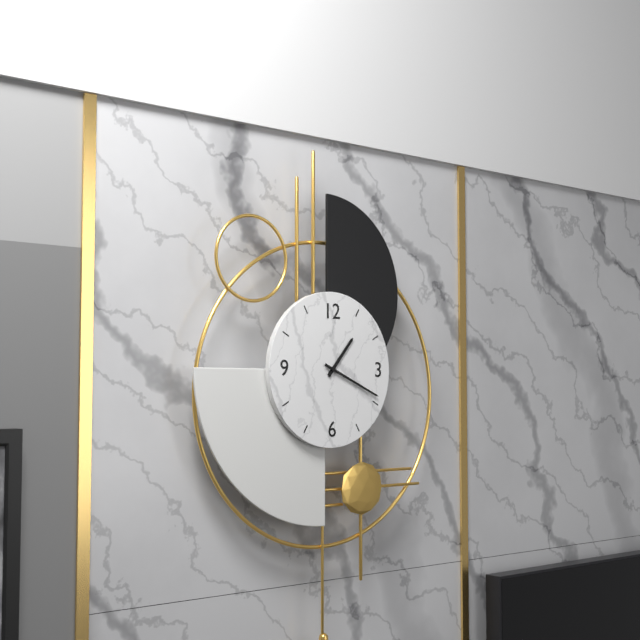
{"hour": 1, "minute": 19}
